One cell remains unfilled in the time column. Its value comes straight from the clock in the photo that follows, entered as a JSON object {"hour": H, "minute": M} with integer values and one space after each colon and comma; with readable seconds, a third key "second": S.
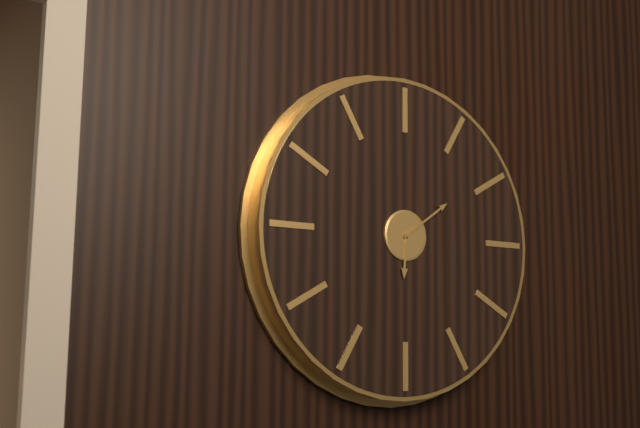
{"hour": 6, "minute": 9}
